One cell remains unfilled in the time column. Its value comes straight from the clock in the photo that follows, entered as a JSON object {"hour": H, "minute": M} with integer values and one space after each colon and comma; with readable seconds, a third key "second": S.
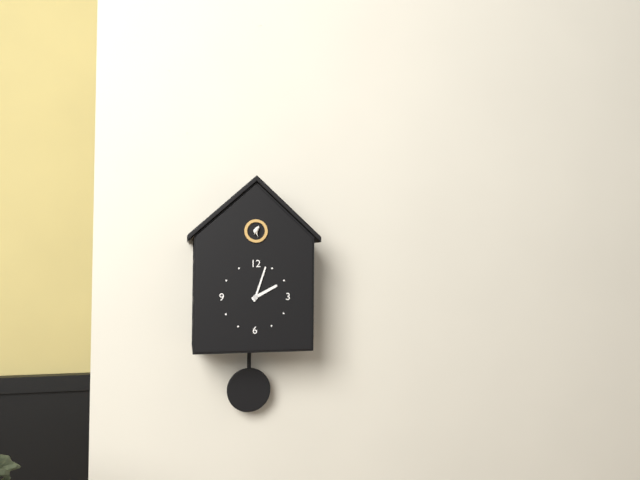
{"hour": 2, "minute": 3}
